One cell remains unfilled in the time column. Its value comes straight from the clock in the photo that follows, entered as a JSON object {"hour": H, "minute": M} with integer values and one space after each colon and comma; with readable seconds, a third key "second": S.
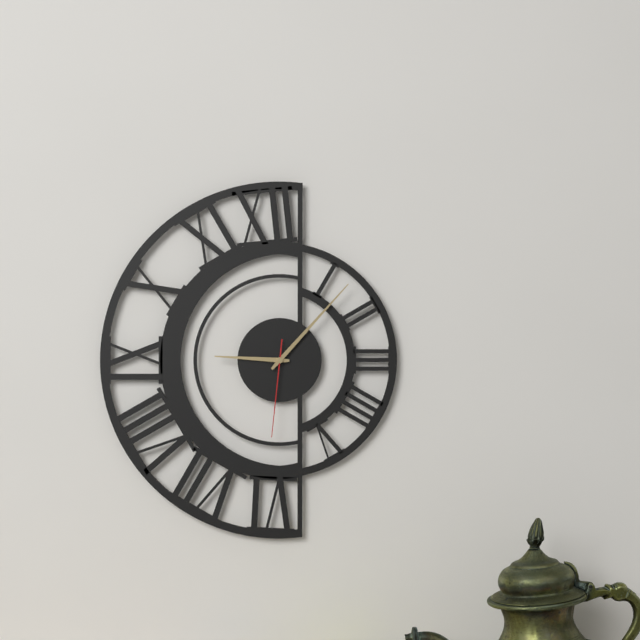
{"hour": 9, "minute": 7, "second": 31}
